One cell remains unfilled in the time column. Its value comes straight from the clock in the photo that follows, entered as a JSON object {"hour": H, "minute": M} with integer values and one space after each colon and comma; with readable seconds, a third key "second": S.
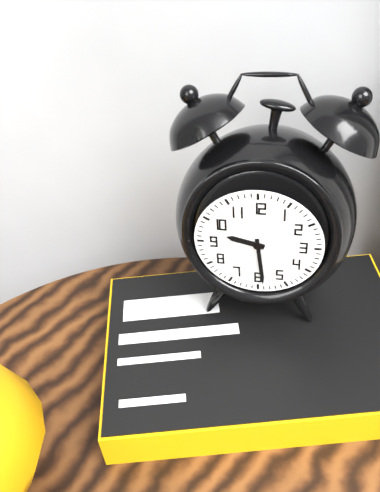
{"hour": 9, "minute": 29}
